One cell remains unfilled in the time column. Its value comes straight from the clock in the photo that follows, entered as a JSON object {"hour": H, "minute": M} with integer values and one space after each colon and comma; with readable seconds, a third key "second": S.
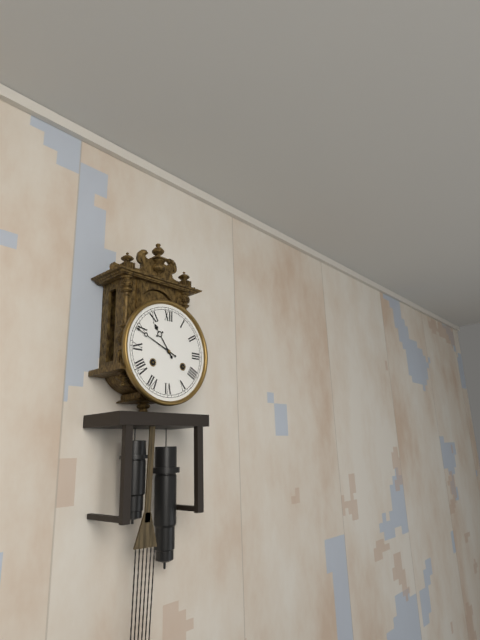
{"hour": 10, "minute": 49}
